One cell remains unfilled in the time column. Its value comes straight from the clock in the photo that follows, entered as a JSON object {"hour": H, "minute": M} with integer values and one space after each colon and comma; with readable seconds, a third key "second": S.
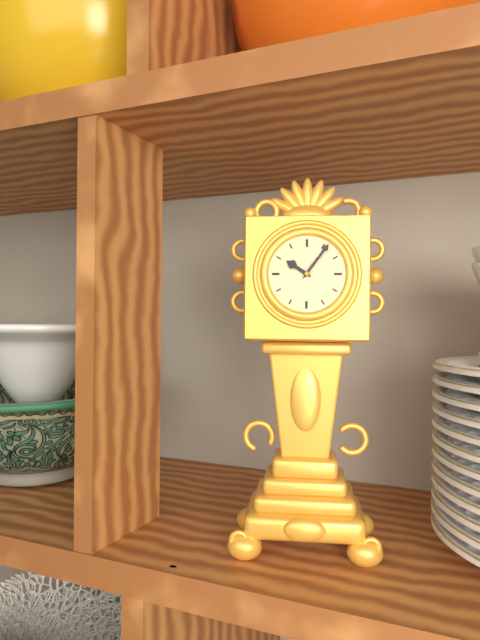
{"hour": 10, "minute": 6}
